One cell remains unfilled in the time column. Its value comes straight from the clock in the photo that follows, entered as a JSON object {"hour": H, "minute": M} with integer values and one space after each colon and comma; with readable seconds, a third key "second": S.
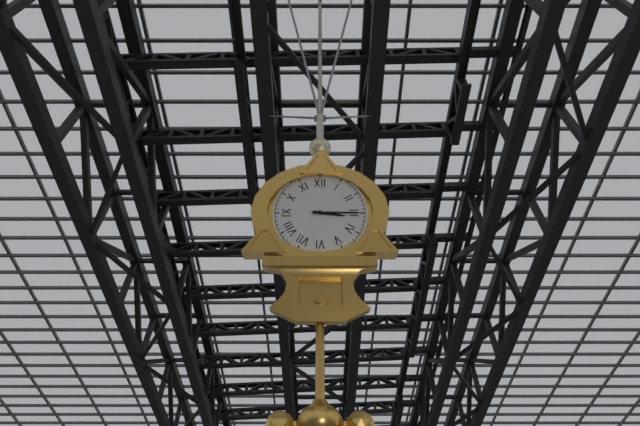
{"hour": 3, "minute": 15}
